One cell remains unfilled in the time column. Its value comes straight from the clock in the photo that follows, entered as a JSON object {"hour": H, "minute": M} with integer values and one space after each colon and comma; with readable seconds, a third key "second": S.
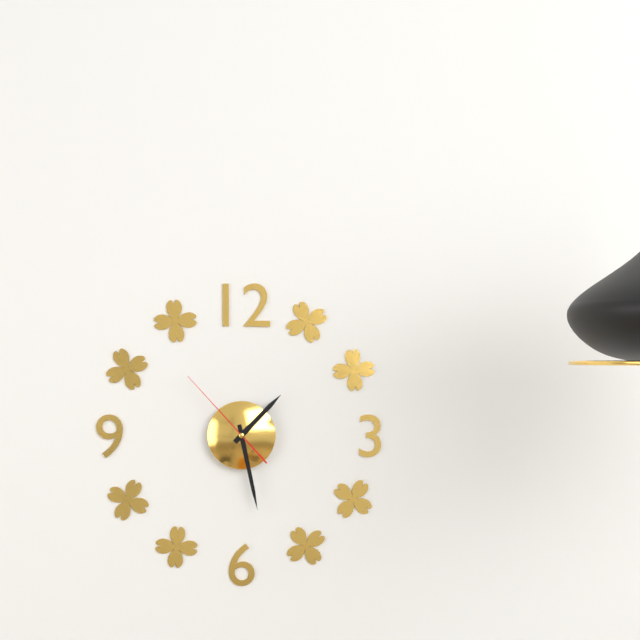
{"hour": 1, "minute": 28, "second": 53}
